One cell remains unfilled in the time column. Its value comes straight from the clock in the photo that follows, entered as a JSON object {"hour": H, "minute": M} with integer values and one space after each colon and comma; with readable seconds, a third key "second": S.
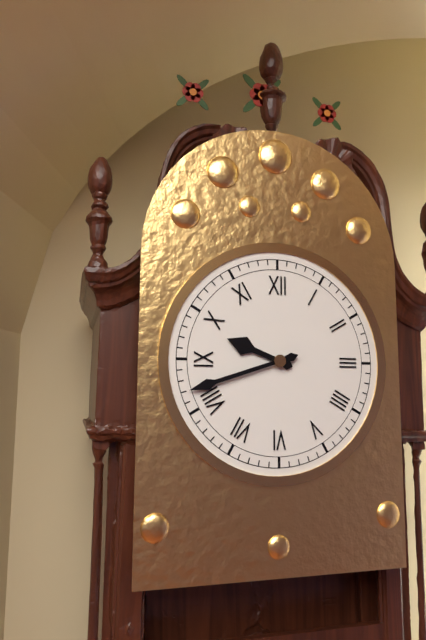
{"hour": 9, "minute": 42}
